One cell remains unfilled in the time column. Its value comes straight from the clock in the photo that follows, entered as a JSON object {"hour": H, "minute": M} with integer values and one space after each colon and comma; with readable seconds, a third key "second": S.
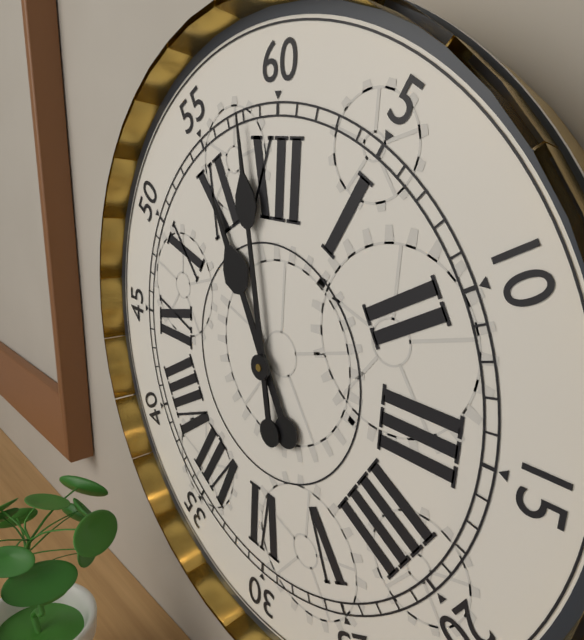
{"hour": 10, "minute": 58}
